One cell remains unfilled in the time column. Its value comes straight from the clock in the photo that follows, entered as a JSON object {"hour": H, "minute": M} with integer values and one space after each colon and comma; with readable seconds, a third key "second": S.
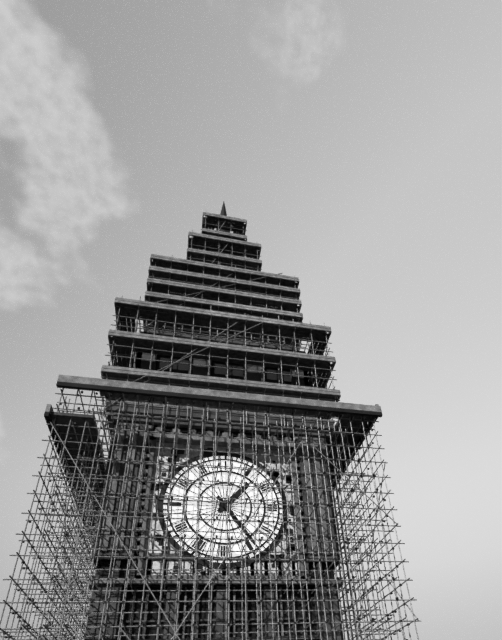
{"hour": 1, "minute": 24}
